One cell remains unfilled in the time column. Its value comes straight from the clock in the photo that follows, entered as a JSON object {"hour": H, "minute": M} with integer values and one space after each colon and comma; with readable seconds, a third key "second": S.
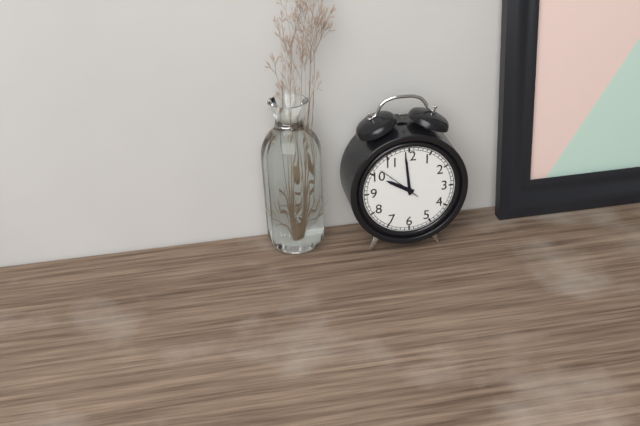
{"hour": 9, "minute": 59}
